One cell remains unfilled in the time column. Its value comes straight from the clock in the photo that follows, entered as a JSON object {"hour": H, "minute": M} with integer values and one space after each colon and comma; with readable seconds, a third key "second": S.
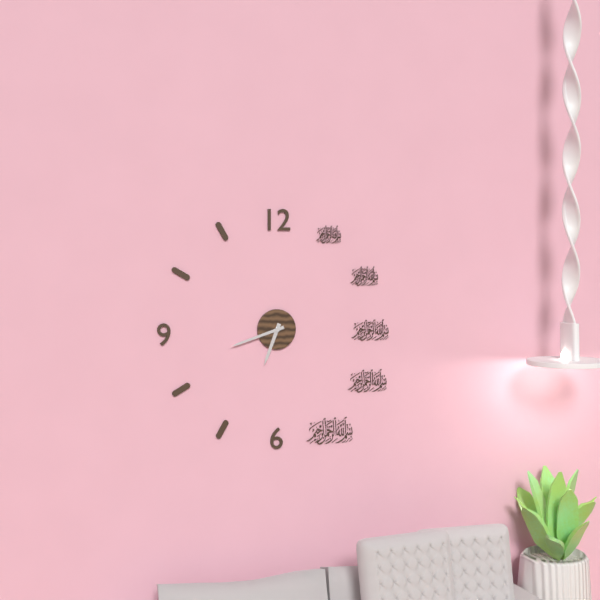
{"hour": 6, "minute": 42}
